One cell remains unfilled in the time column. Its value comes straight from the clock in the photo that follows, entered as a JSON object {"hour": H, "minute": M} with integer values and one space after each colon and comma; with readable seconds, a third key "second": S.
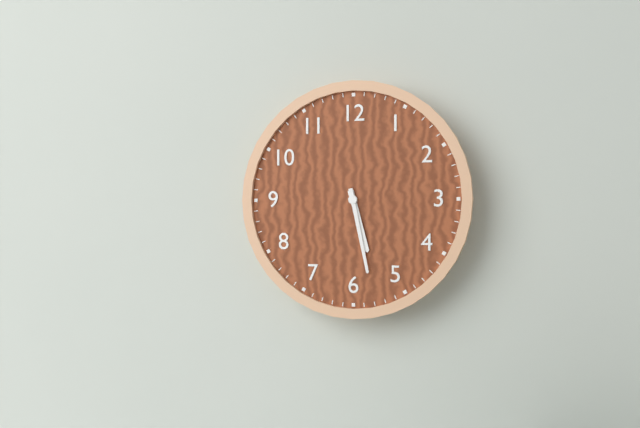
{"hour": 5, "minute": 28}
